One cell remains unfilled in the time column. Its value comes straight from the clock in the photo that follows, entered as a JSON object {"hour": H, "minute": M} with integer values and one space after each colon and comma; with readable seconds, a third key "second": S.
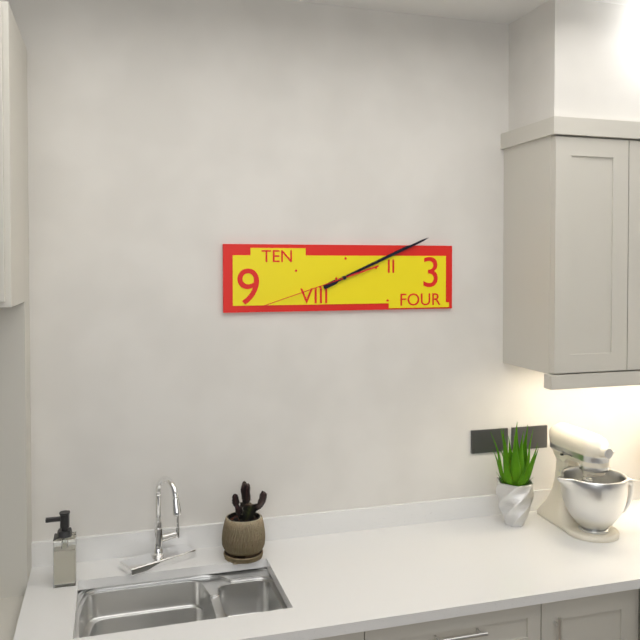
{"hour": 2, "minute": 11, "second": 42}
